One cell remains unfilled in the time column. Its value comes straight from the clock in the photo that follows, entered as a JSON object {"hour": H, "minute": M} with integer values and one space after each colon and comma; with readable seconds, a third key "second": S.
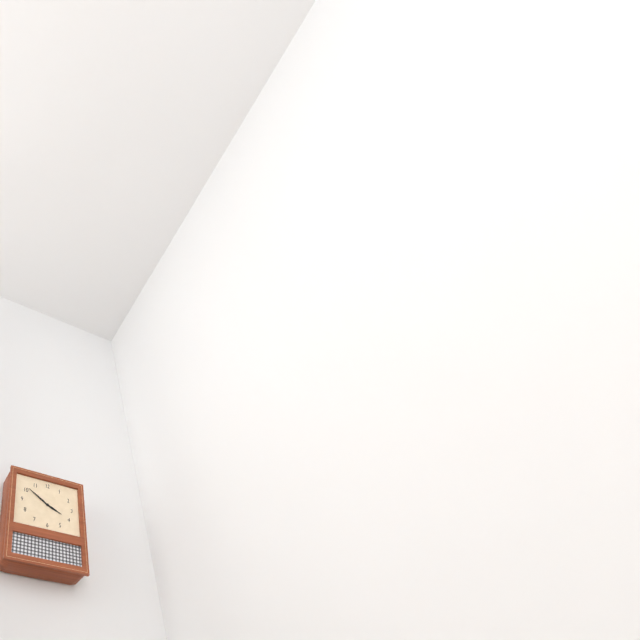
{"hour": 3, "minute": 51}
